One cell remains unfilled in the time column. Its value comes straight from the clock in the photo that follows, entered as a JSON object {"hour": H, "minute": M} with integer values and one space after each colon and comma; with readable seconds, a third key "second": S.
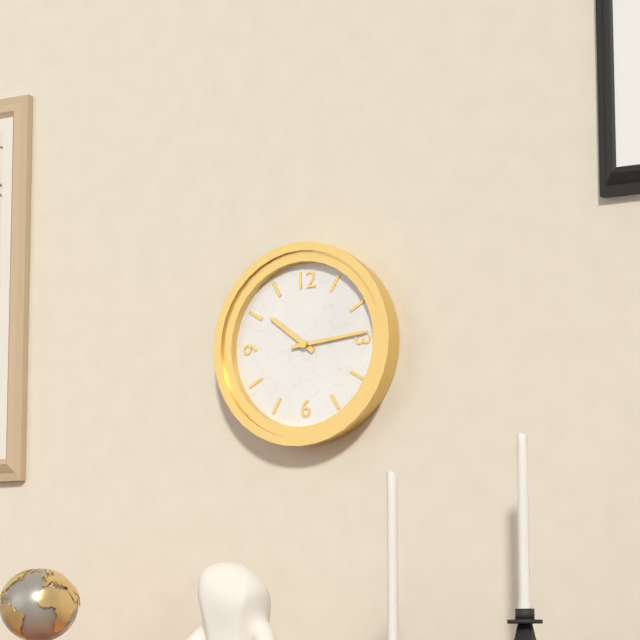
{"hour": 10, "minute": 14}
